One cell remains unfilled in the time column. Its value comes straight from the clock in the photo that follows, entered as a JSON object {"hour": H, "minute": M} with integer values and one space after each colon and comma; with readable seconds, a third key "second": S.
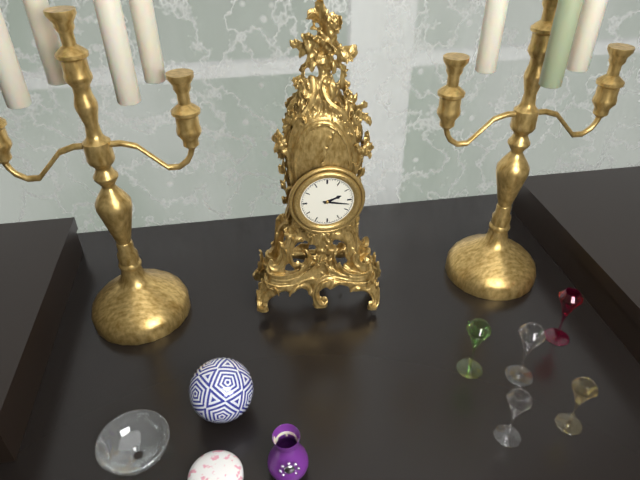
{"hour": 2, "minute": 17}
